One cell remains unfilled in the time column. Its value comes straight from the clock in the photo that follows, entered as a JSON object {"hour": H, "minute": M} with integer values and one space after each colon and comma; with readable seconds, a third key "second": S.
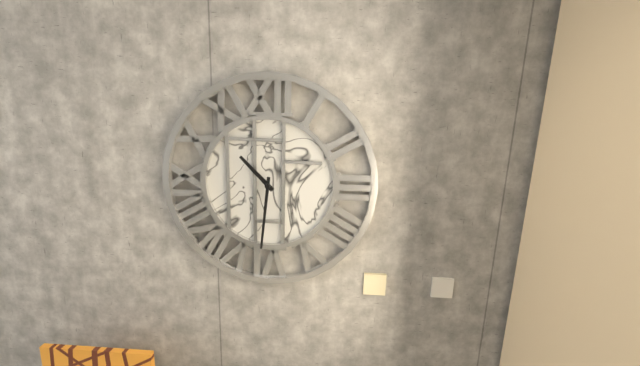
{"hour": 10, "minute": 31}
